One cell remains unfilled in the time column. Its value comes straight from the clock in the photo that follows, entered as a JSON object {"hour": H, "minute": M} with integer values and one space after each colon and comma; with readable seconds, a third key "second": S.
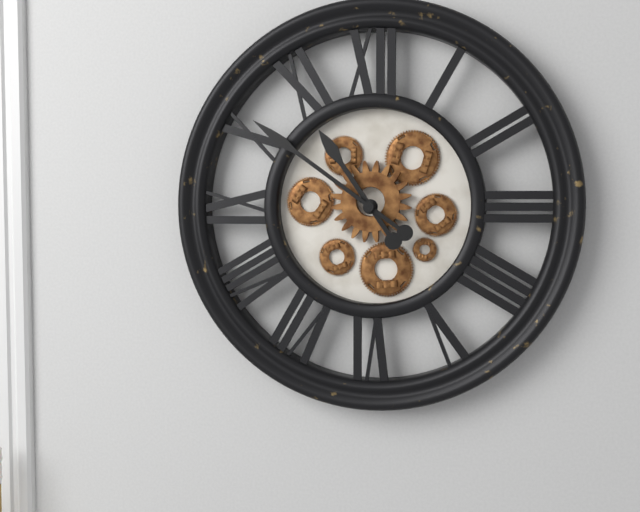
{"hour": 10, "minute": 51}
